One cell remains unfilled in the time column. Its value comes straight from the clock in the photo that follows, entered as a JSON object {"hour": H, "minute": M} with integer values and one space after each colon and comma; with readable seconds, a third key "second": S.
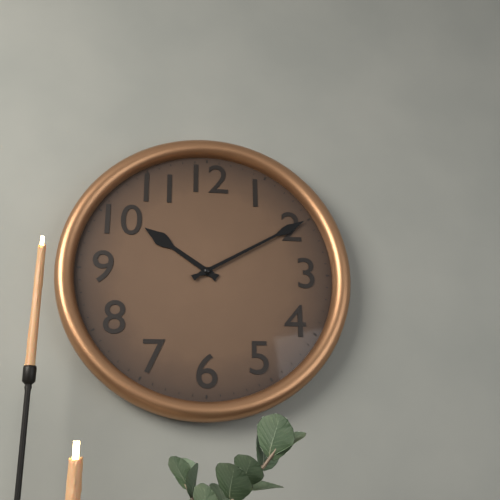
{"hour": 10, "minute": 10}
